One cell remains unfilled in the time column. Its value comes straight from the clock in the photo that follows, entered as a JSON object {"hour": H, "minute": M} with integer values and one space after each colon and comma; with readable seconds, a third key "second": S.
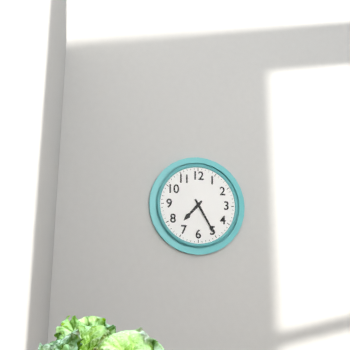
{"hour": 7, "minute": 25}
